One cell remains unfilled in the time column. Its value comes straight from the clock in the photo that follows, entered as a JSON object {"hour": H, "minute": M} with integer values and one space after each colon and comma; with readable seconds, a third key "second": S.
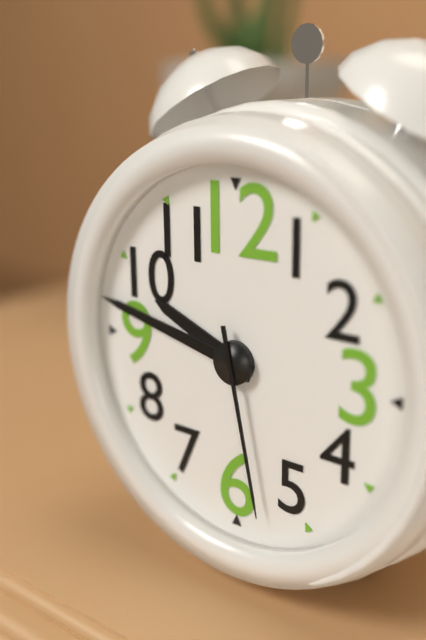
{"hour": 9, "minute": 47, "second": 28}
